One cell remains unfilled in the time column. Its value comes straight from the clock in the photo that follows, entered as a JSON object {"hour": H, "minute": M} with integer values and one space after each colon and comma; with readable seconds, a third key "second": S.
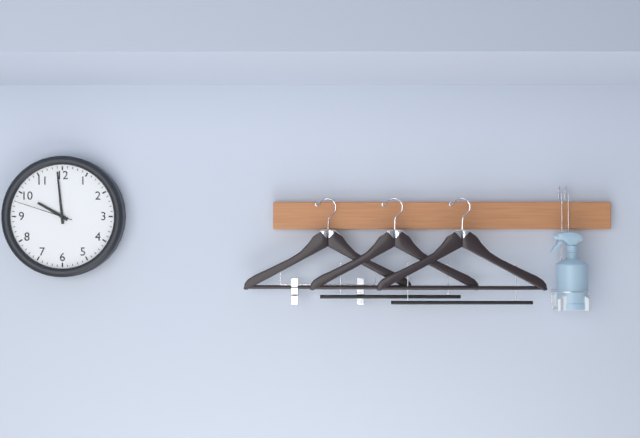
{"hour": 9, "minute": 59, "second": 48}
